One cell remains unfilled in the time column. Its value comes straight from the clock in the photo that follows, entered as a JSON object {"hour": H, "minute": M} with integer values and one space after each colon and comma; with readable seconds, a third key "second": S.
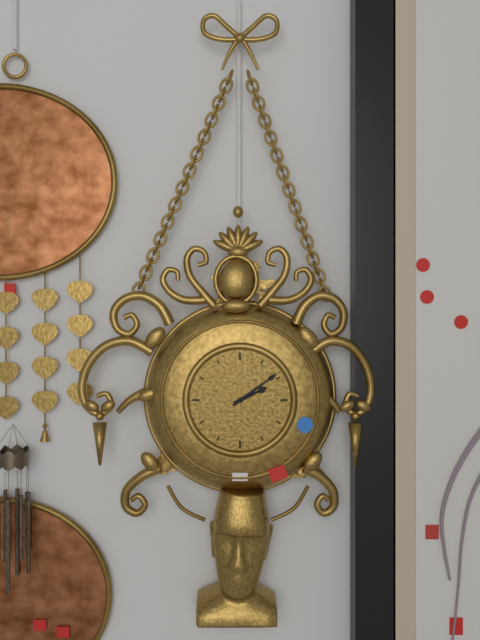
{"hour": 2, "minute": 9}
